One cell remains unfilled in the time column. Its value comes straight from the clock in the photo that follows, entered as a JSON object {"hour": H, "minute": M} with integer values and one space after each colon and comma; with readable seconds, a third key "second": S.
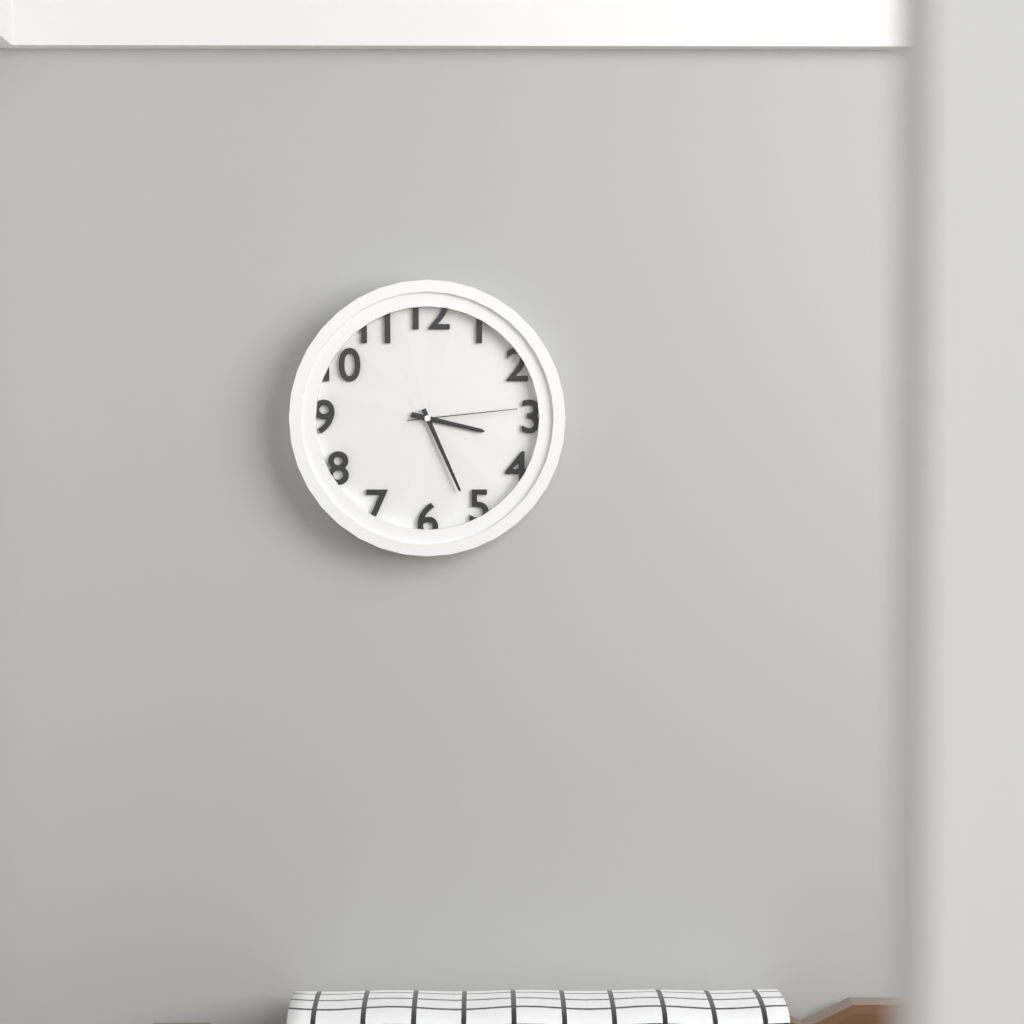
{"hour": 3, "minute": 26, "second": 14}
